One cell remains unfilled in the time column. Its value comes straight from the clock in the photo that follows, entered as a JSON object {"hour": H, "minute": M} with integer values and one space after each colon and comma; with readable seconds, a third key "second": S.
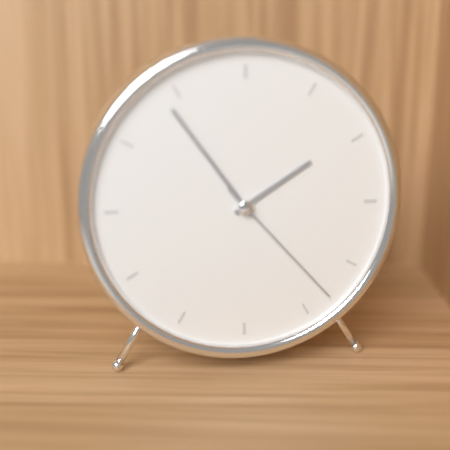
{"hour": 1, "minute": 54, "second": 23}
